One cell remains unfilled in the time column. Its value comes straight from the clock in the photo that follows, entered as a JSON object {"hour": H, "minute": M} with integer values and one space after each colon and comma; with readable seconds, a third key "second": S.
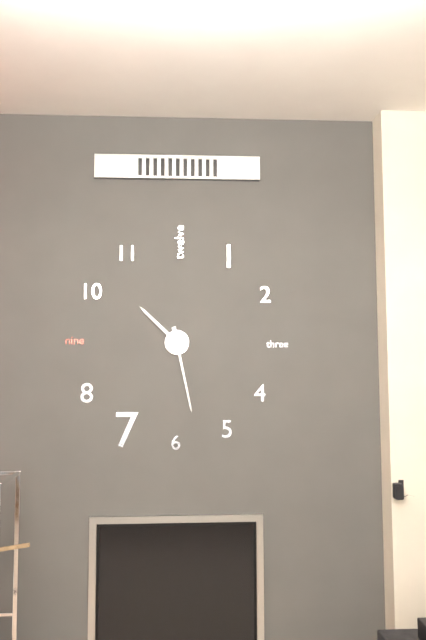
{"hour": 10, "minute": 28}
